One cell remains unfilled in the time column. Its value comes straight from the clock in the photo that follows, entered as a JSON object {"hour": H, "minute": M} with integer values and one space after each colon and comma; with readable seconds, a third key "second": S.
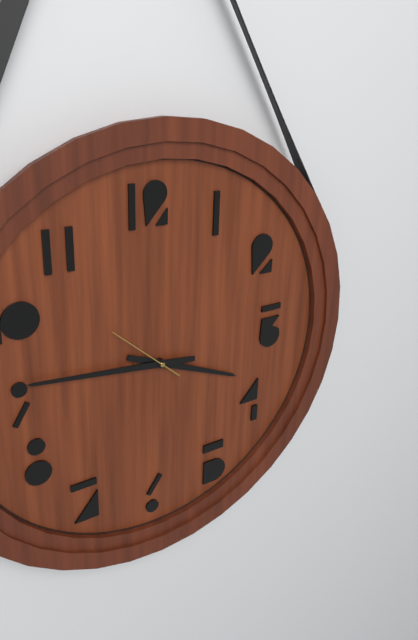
{"hour": 3, "minute": 46, "second": 52}
